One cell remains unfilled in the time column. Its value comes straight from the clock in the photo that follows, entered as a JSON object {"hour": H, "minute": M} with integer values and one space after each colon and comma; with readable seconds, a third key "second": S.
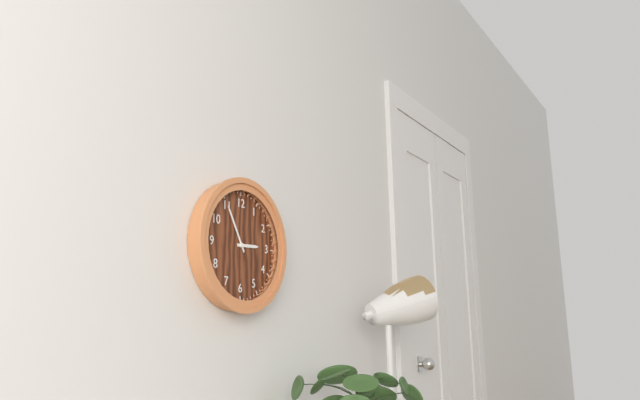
{"hour": 2, "minute": 55}
